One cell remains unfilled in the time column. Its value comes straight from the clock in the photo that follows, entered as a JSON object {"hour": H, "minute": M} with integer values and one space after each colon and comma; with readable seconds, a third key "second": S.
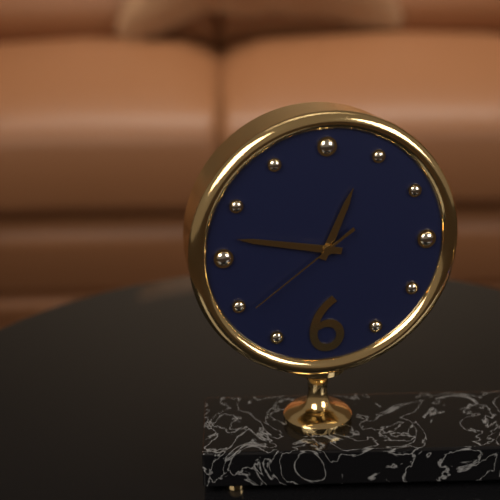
{"hour": 12, "minute": 47, "second": 39}
